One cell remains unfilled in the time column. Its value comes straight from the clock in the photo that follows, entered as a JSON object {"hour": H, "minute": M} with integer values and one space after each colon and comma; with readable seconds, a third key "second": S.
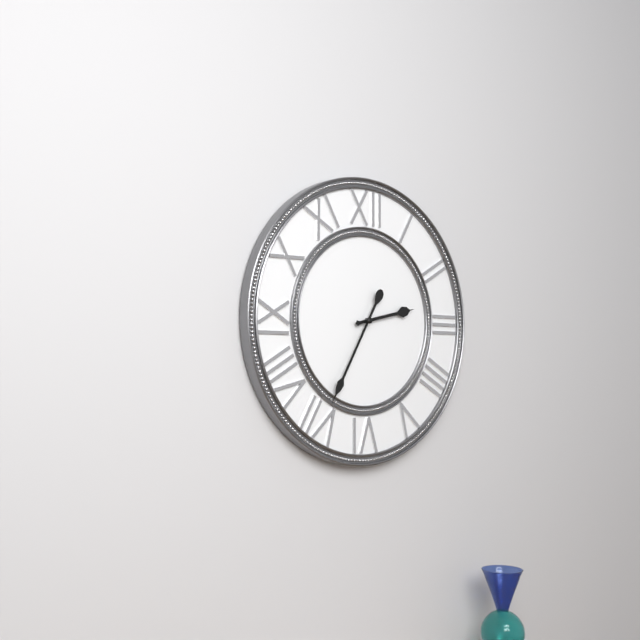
{"hour": 2, "minute": 35}
